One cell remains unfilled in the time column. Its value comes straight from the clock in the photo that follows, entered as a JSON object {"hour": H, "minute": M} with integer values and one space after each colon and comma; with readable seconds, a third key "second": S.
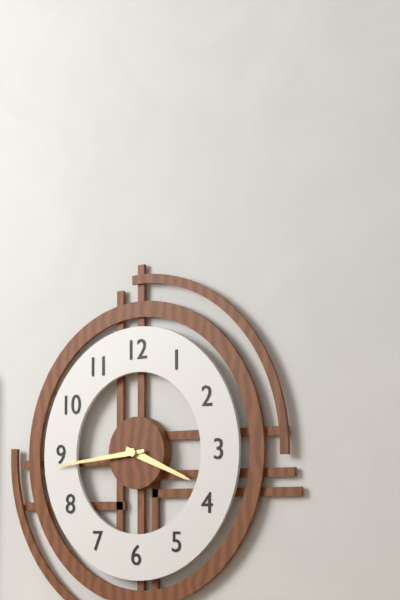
{"hour": 3, "minute": 44}
